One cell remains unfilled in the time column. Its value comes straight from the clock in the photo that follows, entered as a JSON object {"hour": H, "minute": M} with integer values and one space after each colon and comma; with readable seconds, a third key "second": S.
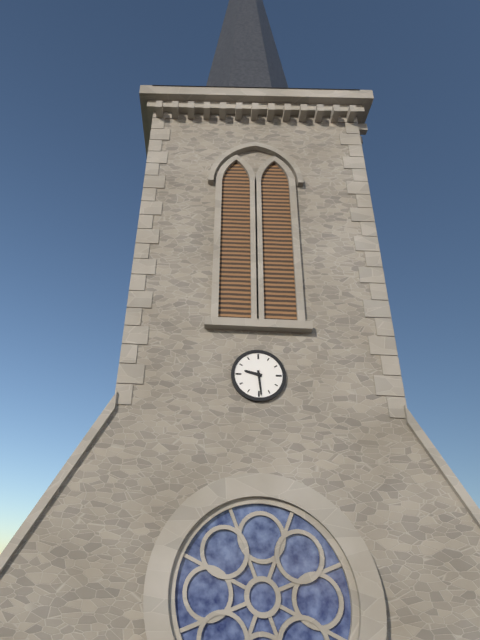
{"hour": 9, "minute": 29}
